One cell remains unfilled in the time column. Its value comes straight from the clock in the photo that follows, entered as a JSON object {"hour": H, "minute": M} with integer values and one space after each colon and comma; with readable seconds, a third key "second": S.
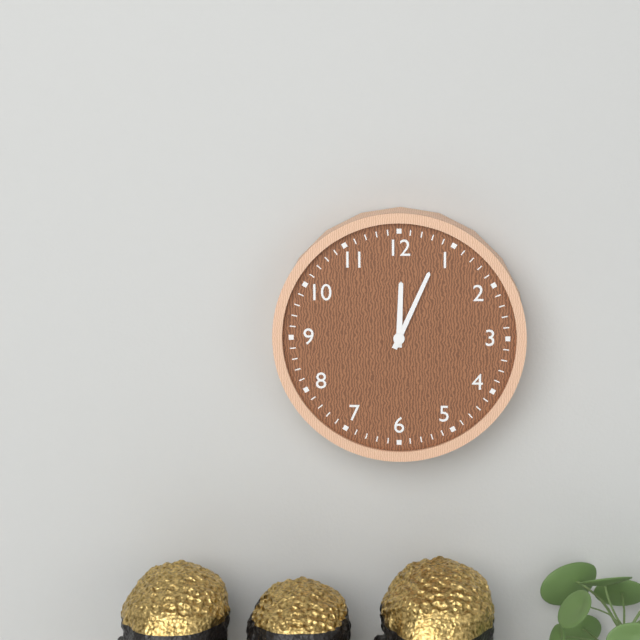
{"hour": 12, "minute": 4}
